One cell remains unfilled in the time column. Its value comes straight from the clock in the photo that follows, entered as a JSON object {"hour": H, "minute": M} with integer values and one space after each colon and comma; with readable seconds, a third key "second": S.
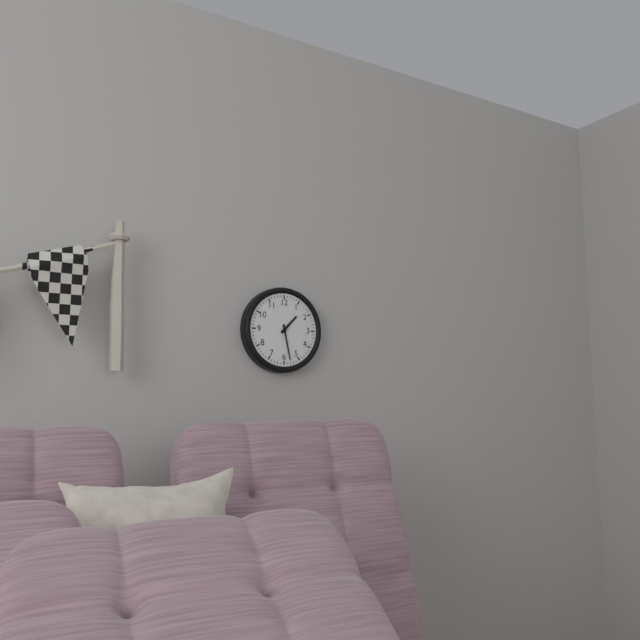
{"hour": 1, "minute": 28}
